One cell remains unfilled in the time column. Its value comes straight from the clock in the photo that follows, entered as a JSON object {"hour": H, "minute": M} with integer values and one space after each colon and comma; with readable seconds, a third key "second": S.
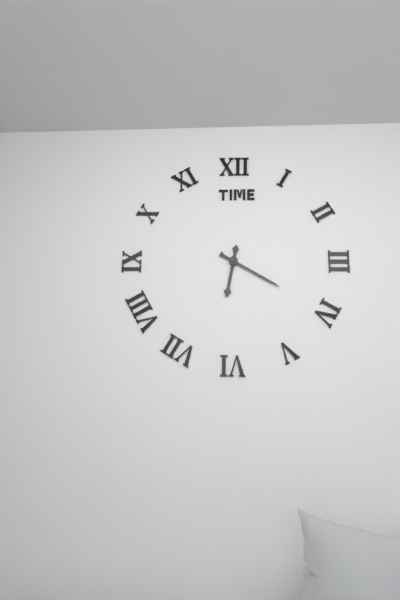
{"hour": 6, "minute": 20}
